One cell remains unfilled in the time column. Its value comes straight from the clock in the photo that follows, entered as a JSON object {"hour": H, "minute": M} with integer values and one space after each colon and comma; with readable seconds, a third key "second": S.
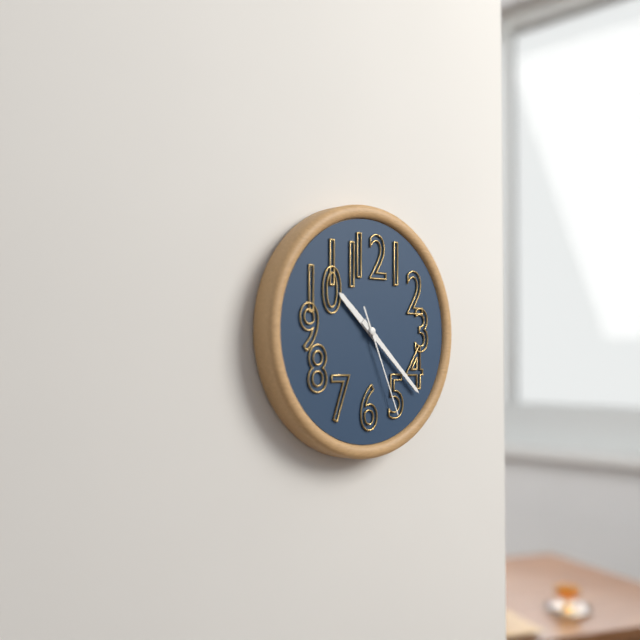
{"hour": 10, "minute": 22, "second": 26}
